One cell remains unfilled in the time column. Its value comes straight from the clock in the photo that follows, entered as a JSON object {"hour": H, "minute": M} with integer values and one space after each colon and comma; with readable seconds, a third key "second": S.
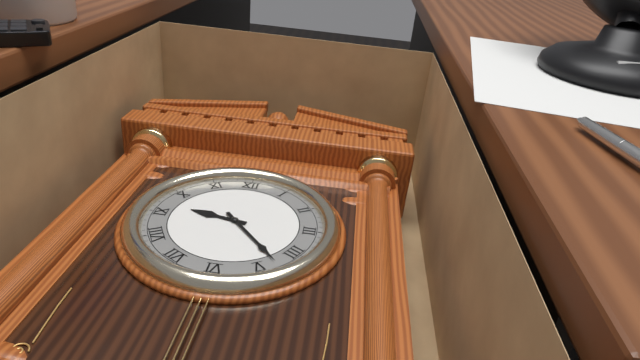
{"hour": 9, "minute": 23}
